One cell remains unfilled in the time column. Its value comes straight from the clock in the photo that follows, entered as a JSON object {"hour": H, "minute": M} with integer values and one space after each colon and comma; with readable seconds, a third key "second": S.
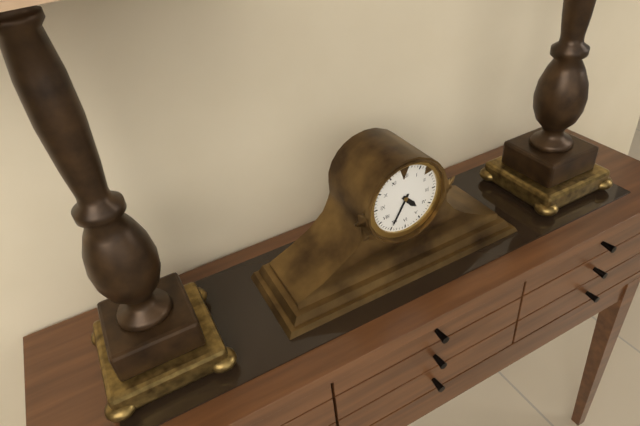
{"hour": 4, "minute": 35}
